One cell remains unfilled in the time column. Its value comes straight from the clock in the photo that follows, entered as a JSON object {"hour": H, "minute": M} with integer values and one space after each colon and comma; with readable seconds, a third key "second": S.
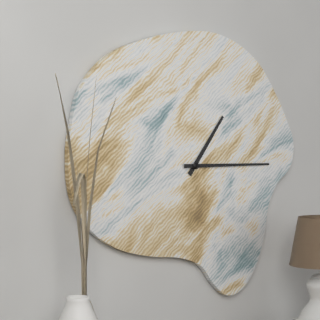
{"hour": 1, "minute": 15}
